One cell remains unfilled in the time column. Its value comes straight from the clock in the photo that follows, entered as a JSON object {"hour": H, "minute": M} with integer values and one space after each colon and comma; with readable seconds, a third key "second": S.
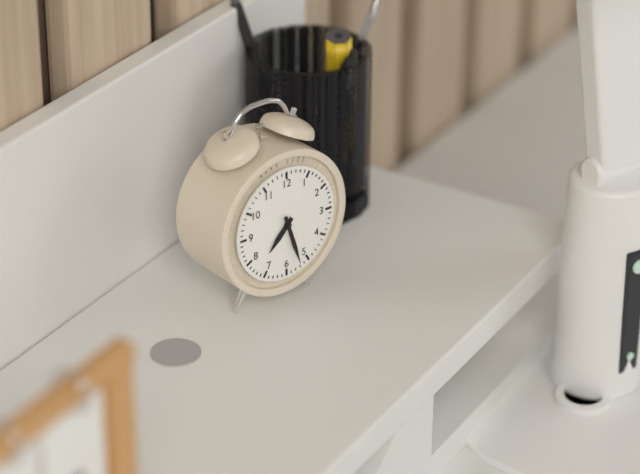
{"hour": 7, "minute": 27}
